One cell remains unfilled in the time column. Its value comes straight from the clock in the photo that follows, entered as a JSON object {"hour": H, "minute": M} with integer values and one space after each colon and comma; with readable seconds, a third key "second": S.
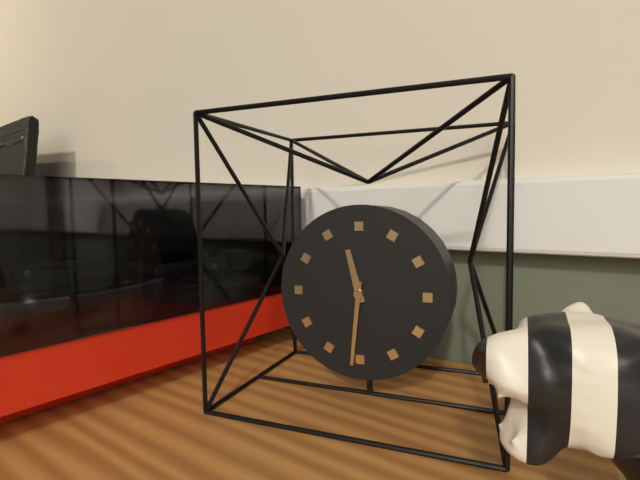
{"hour": 11, "minute": 31}
